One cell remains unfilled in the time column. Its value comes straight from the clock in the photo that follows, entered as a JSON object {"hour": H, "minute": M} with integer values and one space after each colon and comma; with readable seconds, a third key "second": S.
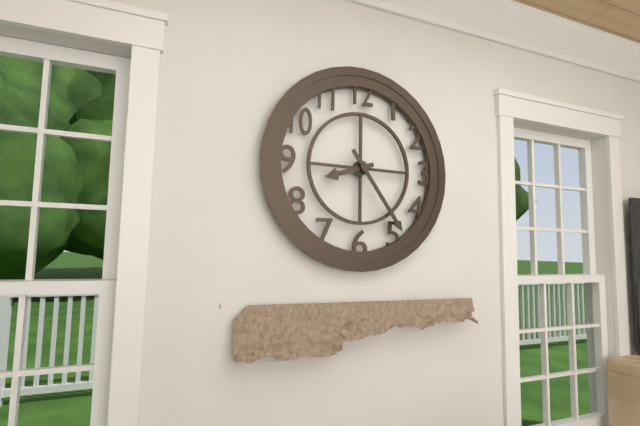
{"hour": 8, "minute": 24}
